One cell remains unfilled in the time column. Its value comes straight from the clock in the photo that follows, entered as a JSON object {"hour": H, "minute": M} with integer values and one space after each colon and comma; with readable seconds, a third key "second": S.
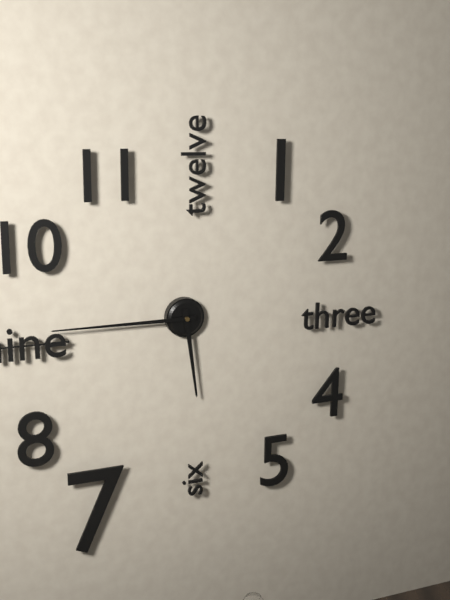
{"hour": 5, "minute": 45}
